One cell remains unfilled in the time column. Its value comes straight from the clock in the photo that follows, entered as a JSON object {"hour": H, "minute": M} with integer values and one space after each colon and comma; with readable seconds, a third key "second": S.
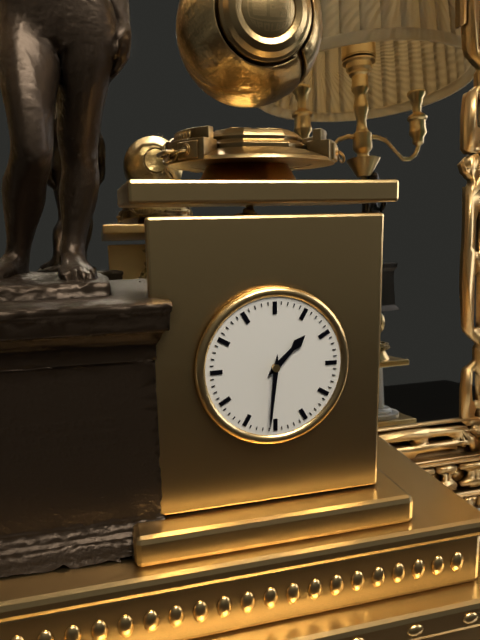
{"hour": 1, "minute": 31}
